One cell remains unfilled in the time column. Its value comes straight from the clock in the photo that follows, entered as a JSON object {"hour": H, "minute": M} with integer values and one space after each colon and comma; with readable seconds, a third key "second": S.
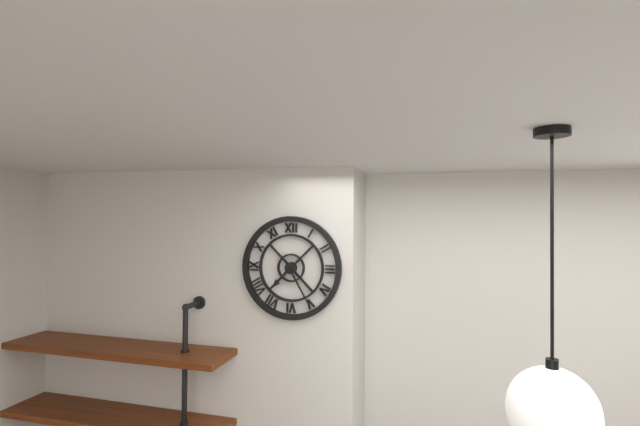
{"hour": 7, "minute": 25}
